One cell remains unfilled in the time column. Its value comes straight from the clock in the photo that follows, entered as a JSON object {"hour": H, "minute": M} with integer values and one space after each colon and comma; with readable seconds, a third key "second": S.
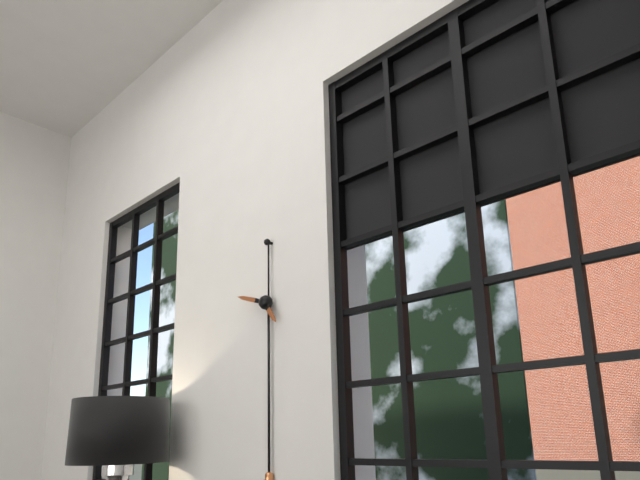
{"hour": 4, "minute": 48}
